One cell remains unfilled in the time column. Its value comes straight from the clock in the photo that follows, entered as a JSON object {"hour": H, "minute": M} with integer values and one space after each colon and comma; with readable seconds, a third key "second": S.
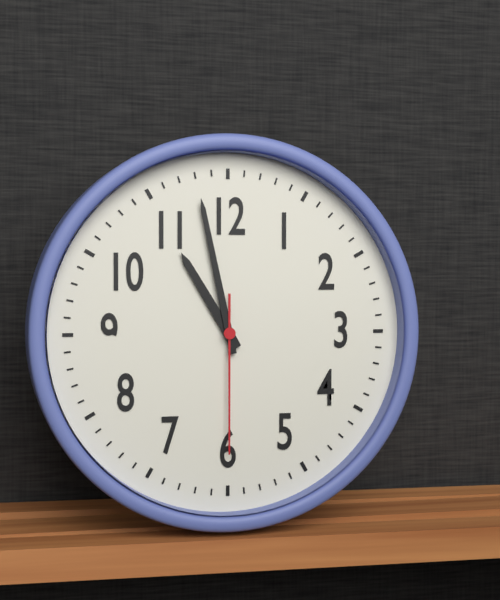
{"hour": 10, "minute": 58, "second": 30}
